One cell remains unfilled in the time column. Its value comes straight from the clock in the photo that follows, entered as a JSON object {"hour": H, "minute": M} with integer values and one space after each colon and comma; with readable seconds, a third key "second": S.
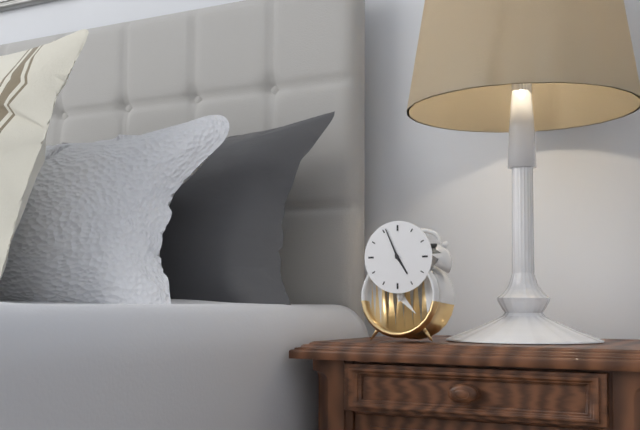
{"hour": 4, "minute": 56}
